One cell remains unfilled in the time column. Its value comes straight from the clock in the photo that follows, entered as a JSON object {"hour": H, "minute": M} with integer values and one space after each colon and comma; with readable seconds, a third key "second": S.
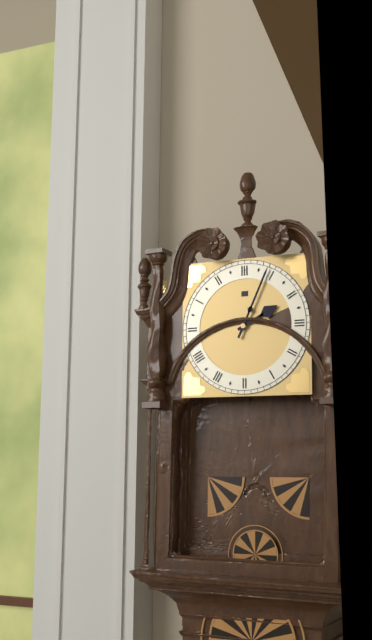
{"hour": 2, "minute": 4}
